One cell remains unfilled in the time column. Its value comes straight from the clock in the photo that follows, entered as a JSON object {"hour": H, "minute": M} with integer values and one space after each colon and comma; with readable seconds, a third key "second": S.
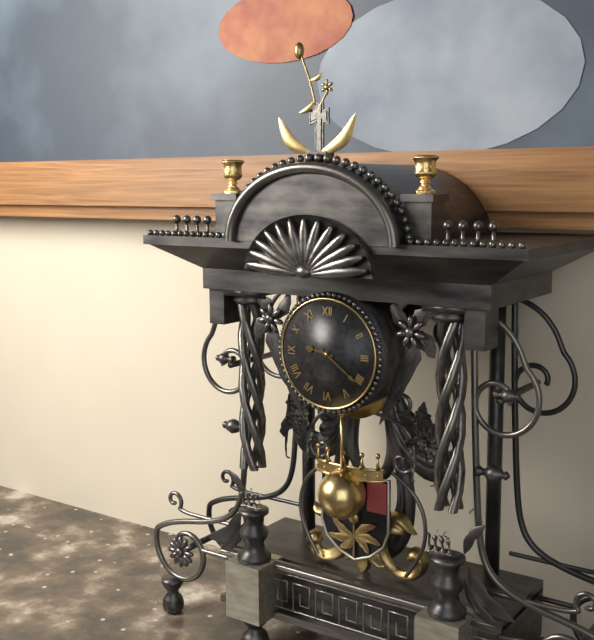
{"hour": 9, "minute": 21}
